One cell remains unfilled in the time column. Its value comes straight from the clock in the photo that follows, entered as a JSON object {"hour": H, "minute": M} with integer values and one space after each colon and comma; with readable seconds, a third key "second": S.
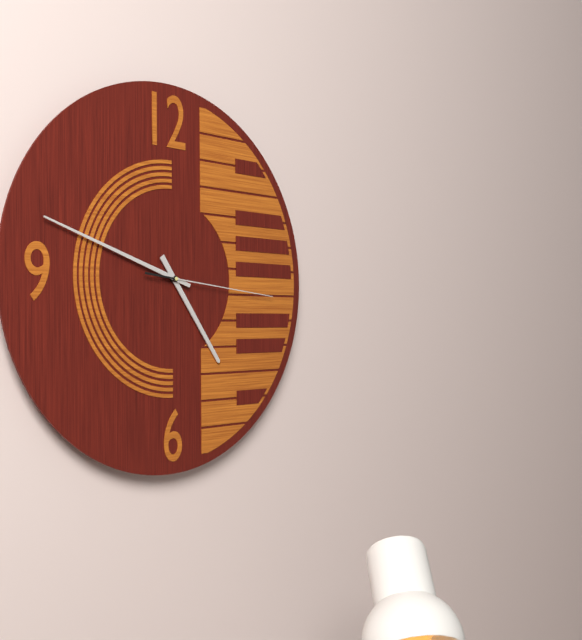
{"hour": 4, "minute": 48, "second": 16}
